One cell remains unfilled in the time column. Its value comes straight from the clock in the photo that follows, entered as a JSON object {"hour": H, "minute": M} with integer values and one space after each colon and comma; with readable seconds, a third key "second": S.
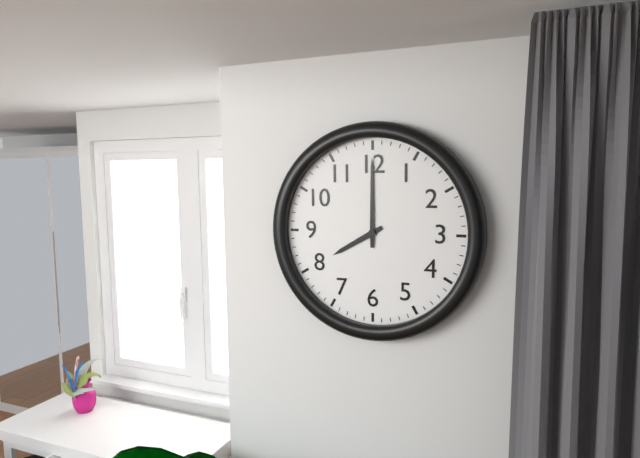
{"hour": 8, "minute": 0}
